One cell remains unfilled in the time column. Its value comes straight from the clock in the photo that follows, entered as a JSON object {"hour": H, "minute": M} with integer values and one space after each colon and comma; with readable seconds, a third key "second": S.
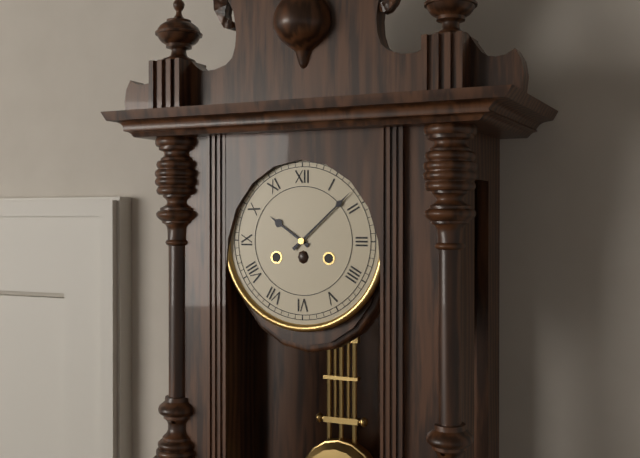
{"hour": 10, "minute": 8}
